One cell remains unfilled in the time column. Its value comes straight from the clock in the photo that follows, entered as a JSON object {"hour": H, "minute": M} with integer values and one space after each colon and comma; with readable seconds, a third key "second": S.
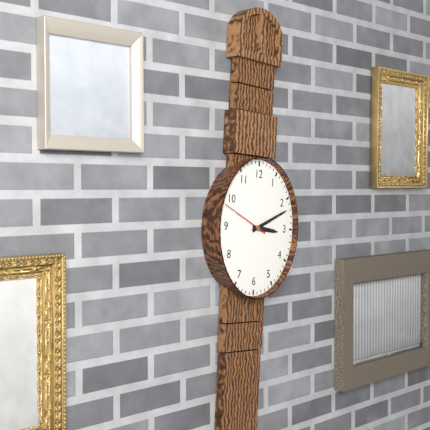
{"hour": 3, "minute": 11}
